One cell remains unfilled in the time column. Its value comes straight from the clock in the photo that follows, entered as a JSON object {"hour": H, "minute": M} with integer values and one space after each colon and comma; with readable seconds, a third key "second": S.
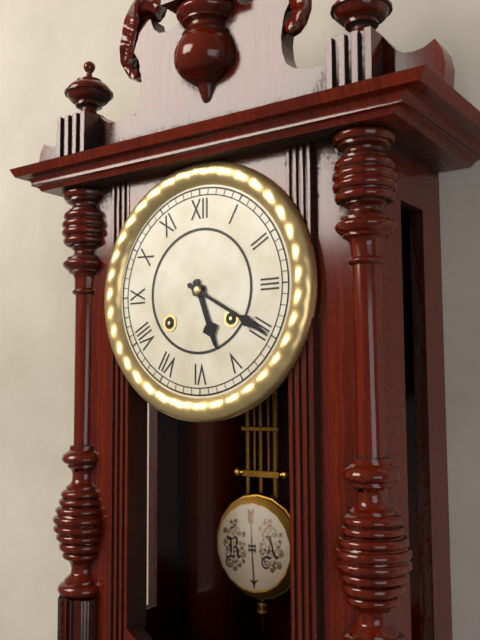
{"hour": 5, "minute": 20}
